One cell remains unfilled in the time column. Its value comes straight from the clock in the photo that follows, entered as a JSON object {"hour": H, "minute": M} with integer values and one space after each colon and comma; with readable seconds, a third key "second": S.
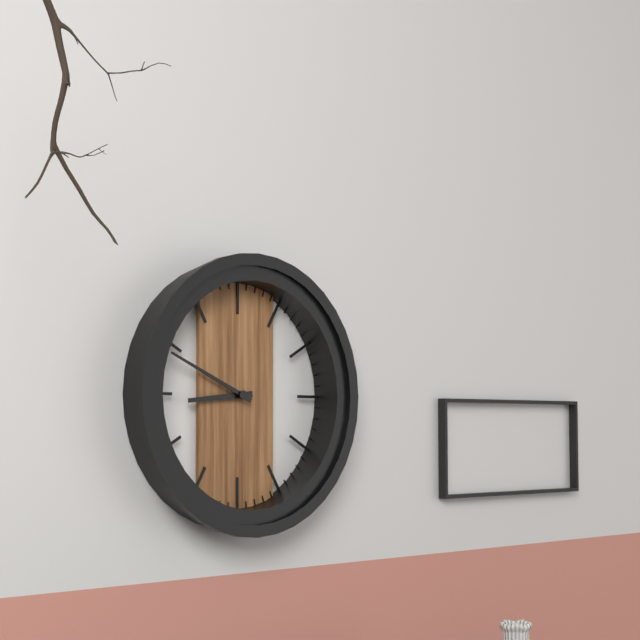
{"hour": 8, "minute": 49}
